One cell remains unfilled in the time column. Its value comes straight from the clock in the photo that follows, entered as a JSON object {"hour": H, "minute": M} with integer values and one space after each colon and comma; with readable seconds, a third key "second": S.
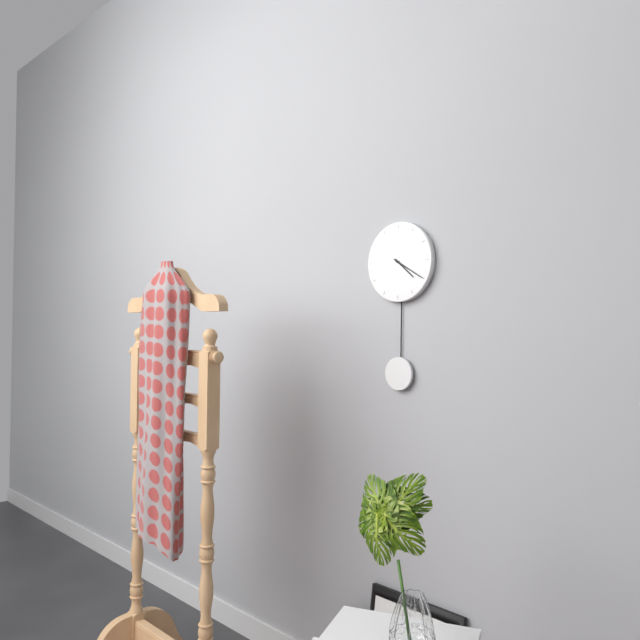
{"hour": 4, "minute": 20}
